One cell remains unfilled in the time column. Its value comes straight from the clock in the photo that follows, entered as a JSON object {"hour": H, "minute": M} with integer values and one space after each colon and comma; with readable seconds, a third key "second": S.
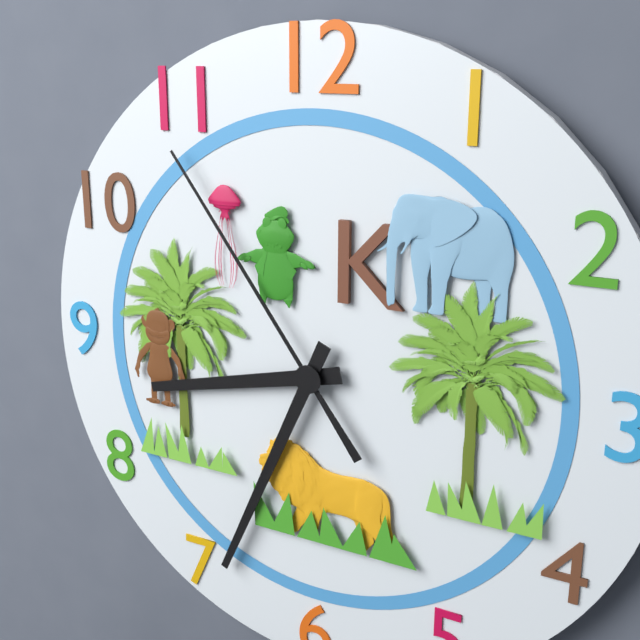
{"hour": 8, "minute": 34, "second": 54}
